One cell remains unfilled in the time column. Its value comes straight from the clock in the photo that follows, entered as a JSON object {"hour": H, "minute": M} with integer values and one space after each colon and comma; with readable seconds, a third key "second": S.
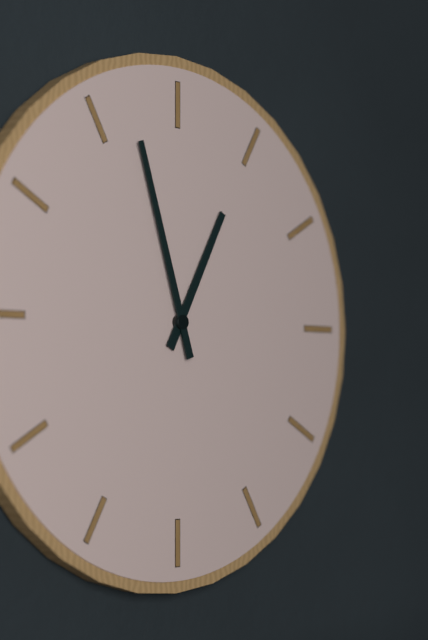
{"hour": 12, "minute": 57}
